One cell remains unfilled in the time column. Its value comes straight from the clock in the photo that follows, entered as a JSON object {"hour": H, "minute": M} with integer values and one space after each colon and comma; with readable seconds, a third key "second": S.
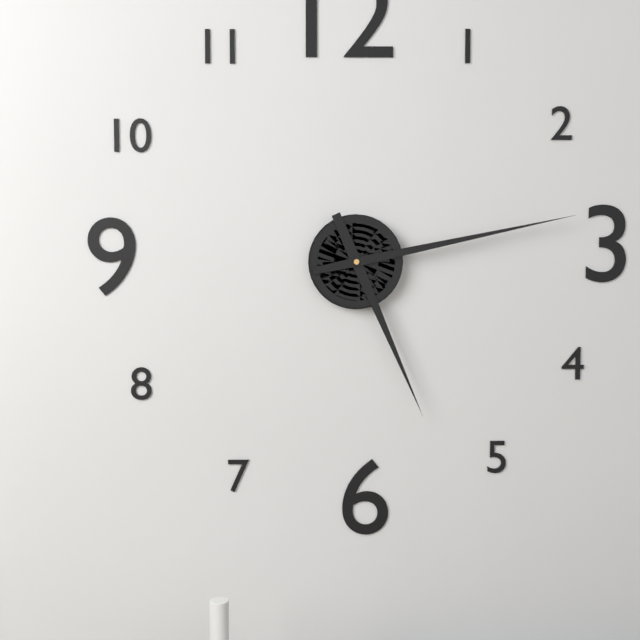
{"hour": 5, "minute": 13}
